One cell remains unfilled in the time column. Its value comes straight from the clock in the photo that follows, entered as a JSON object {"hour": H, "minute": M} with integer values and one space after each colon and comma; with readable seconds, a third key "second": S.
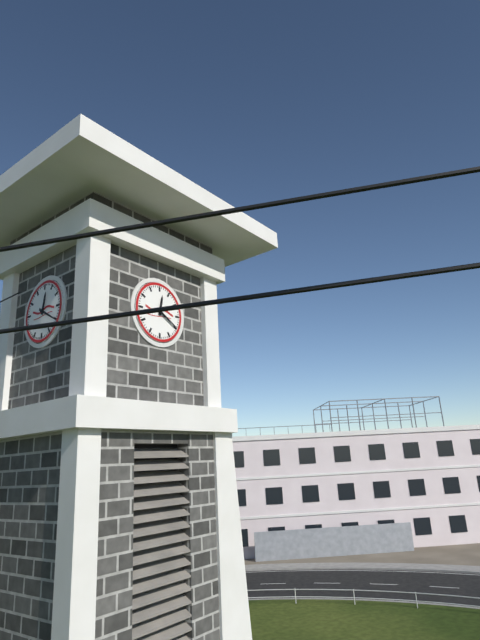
{"hour": 12, "minute": 20}
